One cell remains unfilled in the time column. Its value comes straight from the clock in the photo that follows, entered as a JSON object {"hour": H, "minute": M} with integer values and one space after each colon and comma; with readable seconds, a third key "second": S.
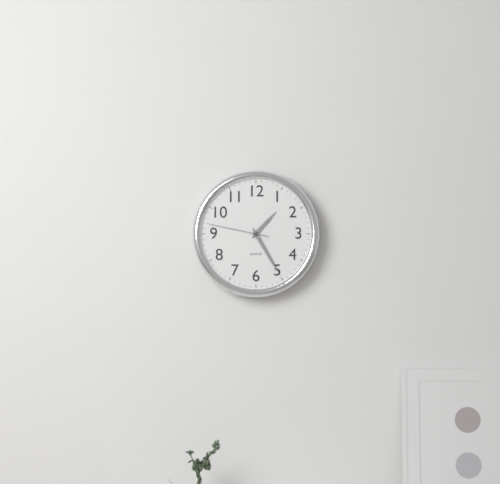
{"hour": 1, "minute": 25, "second": 47}
